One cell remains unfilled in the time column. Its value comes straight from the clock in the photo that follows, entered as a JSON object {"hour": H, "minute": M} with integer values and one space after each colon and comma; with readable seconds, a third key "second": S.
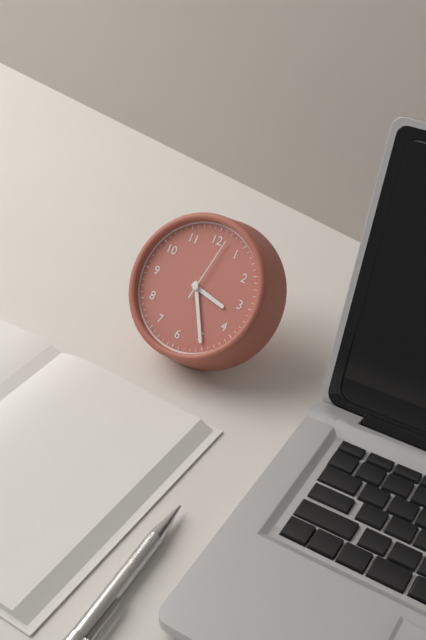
{"hour": 3, "minute": 25, "second": 2}
